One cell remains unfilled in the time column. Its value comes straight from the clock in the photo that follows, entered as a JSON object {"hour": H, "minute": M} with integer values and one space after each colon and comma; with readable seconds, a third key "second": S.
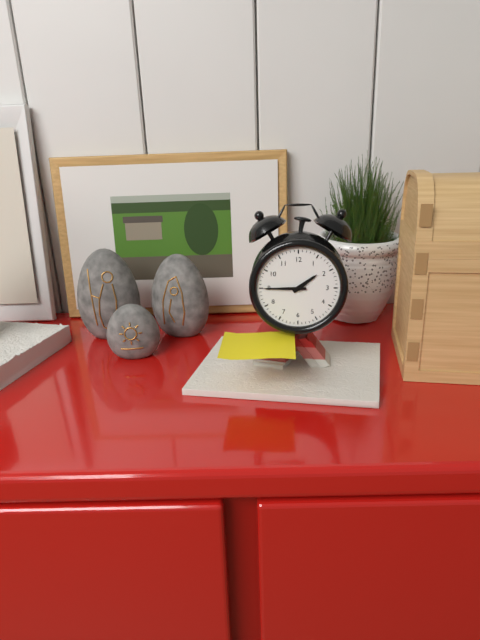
{"hour": 1, "minute": 45}
